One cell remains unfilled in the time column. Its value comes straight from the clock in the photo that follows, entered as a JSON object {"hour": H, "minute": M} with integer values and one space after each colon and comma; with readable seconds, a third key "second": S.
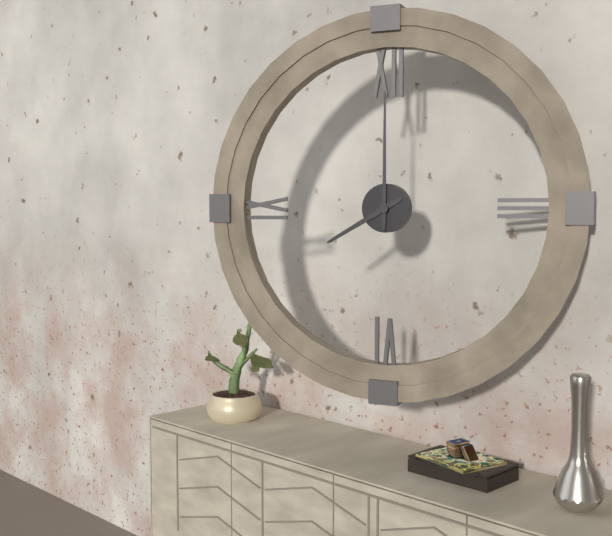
{"hour": 8, "minute": 0}
